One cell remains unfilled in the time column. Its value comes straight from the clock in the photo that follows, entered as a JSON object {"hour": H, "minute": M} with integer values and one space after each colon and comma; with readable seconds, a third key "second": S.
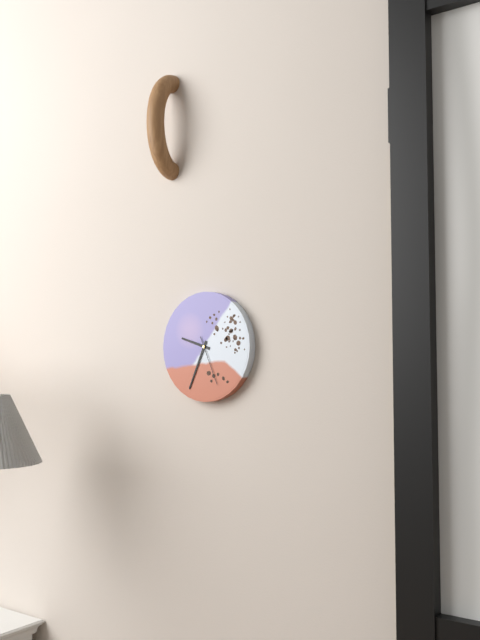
{"hour": 9, "minute": 34, "second": 26}
